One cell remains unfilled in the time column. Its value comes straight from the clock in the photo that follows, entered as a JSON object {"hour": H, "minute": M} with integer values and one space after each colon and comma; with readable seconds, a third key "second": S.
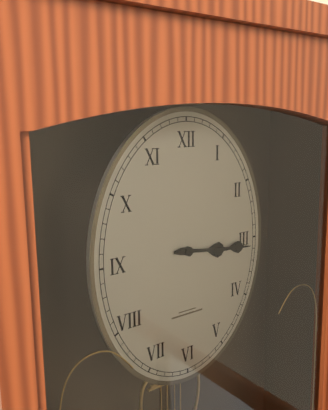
{"hour": 3, "minute": 16}
